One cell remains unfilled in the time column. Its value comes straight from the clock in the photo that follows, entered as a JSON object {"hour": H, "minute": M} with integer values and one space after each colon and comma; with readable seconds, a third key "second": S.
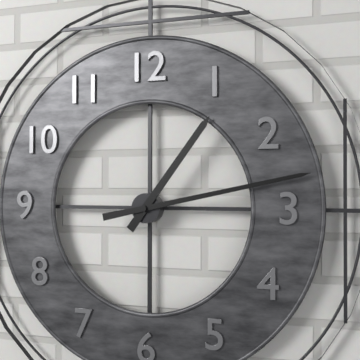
{"hour": 1, "minute": 13}
